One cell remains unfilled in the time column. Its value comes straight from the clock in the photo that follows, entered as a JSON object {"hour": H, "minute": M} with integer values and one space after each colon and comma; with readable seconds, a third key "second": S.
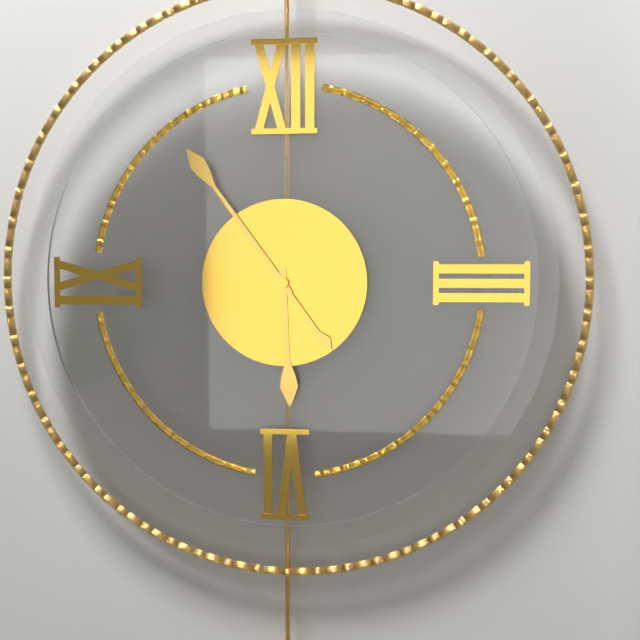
{"hour": 5, "minute": 54}
